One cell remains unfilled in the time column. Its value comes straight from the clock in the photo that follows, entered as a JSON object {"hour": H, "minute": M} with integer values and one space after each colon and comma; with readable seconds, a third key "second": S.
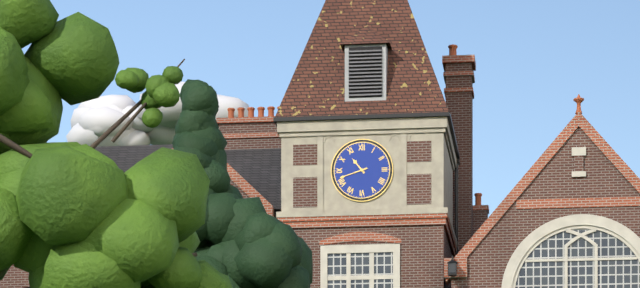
{"hour": 10, "minute": 42}
